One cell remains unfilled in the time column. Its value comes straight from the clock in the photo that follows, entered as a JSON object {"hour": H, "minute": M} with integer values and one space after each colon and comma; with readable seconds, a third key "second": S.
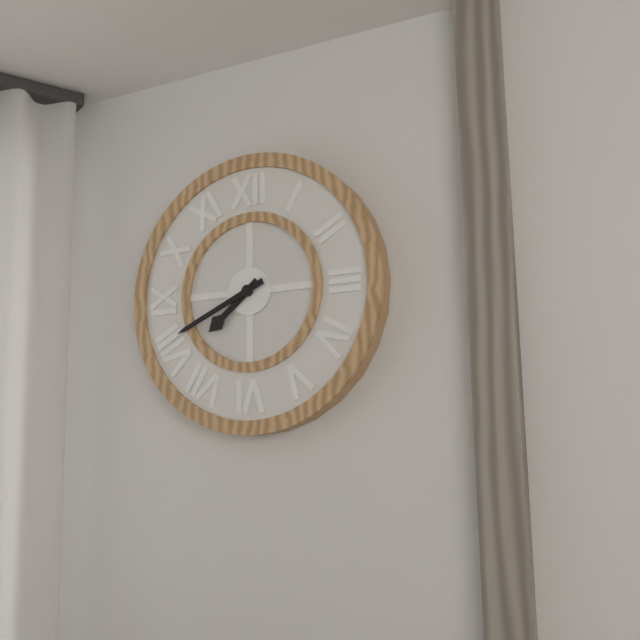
{"hour": 7, "minute": 41}
